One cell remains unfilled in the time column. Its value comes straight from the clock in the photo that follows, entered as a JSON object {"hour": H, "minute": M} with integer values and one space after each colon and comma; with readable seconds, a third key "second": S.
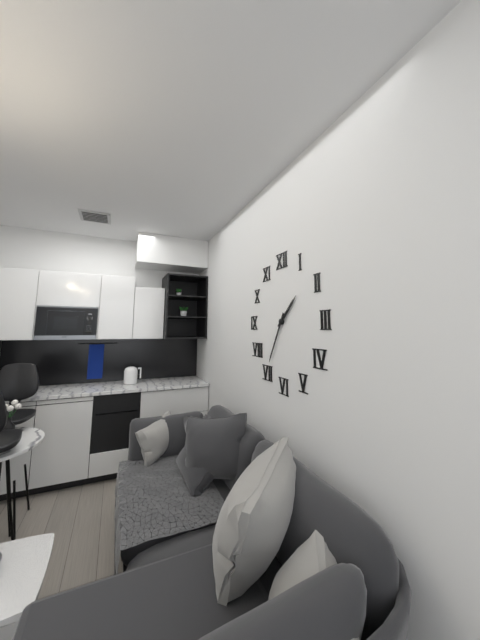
{"hour": 1, "minute": 35}
